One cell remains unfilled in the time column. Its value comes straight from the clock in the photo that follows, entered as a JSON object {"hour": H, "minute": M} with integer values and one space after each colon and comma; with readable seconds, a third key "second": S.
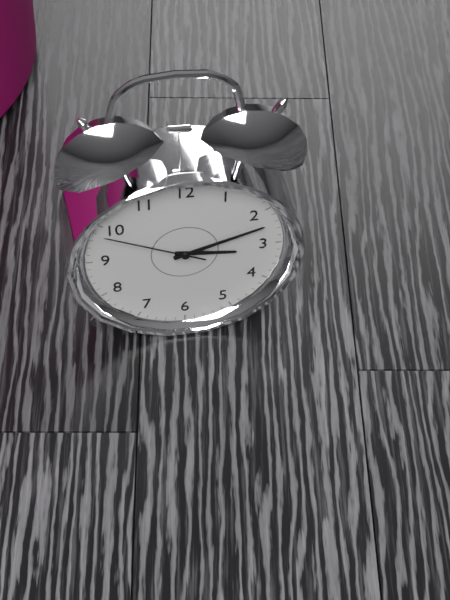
{"hour": 3, "minute": 12, "second": 49}
